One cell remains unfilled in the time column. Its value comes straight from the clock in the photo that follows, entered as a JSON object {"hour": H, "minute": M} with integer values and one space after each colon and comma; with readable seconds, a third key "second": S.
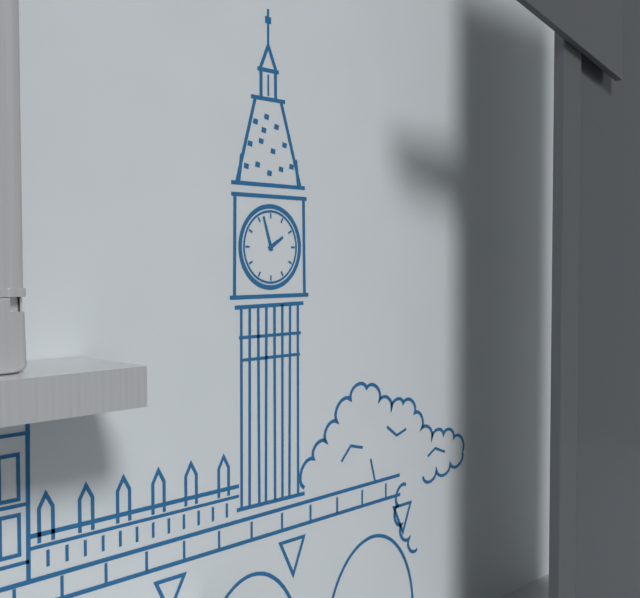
{"hour": 1, "minute": 57}
